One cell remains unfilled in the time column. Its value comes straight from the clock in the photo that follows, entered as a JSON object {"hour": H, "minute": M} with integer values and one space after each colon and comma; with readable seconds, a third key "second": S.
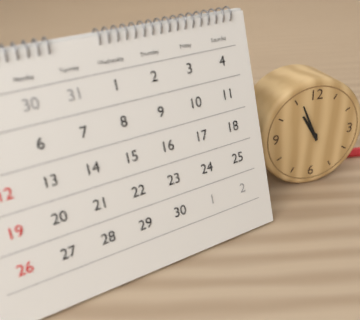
{"hour": 10, "minute": 56}
